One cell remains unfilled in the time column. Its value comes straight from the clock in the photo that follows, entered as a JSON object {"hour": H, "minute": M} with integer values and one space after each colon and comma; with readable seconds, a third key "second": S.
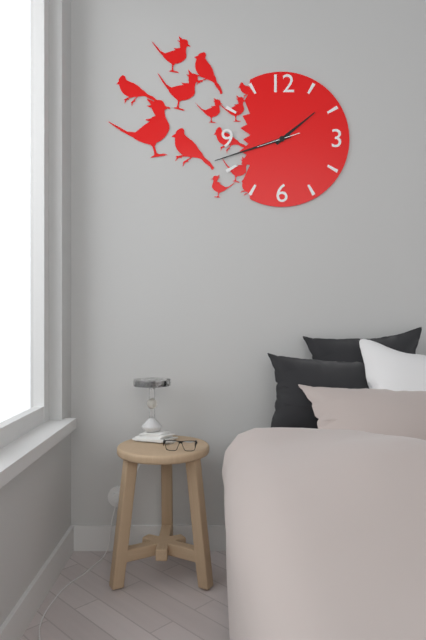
{"hour": 1, "minute": 42}
